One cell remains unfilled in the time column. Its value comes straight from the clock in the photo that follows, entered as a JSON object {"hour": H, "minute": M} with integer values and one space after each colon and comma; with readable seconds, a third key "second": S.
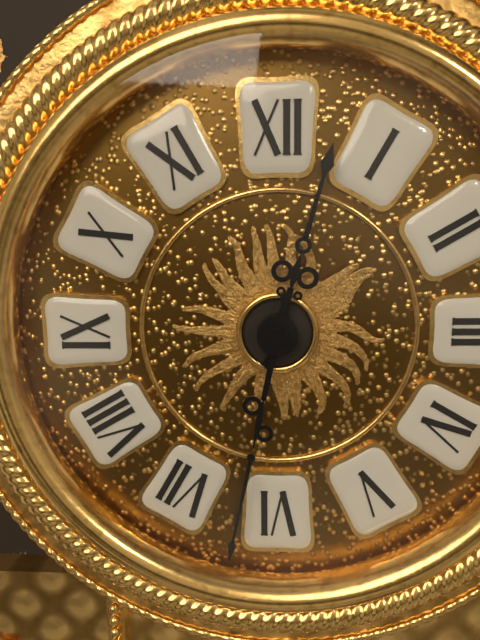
{"hour": 12, "minute": 32}
